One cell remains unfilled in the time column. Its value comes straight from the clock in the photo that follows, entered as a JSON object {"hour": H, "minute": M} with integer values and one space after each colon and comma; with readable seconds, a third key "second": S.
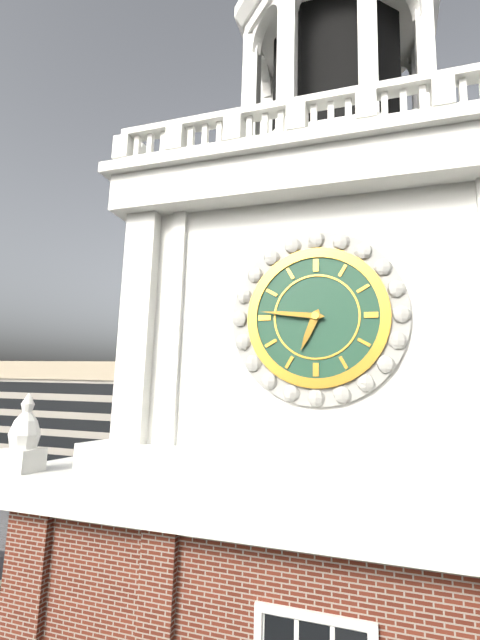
{"hour": 6, "minute": 46}
